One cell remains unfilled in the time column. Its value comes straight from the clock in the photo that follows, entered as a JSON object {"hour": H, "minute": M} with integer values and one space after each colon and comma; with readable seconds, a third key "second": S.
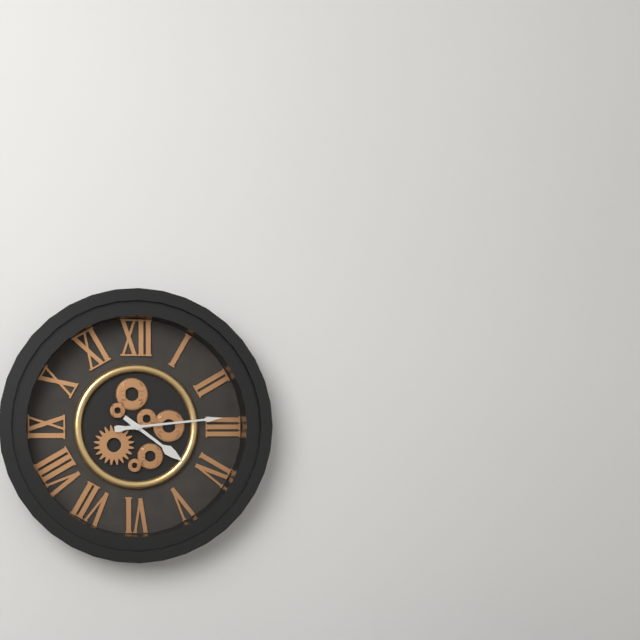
{"hour": 4, "minute": 14}
